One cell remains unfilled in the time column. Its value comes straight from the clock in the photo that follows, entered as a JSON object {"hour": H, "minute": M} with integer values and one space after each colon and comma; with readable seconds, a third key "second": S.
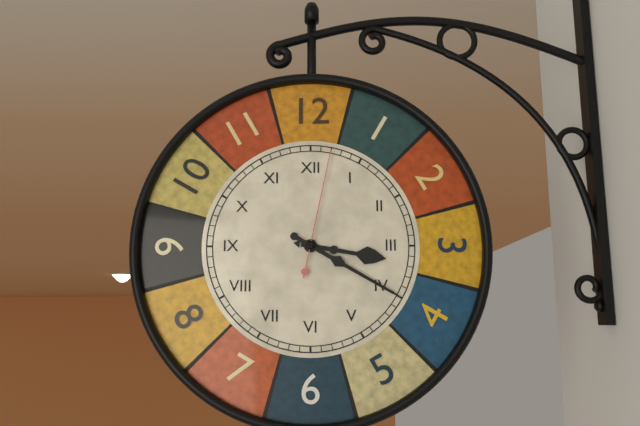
{"hour": 3, "minute": 20, "second": 2}
